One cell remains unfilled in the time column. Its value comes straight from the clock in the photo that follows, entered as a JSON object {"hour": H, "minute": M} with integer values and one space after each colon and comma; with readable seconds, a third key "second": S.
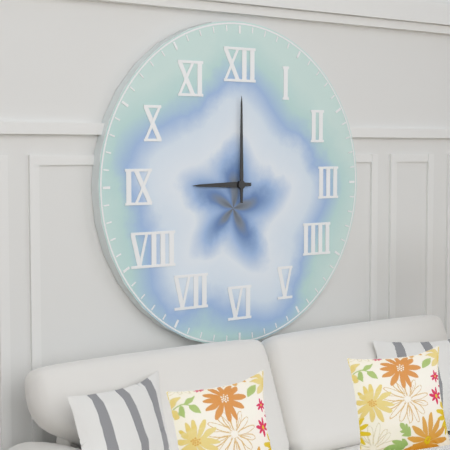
{"hour": 9, "minute": 0}
